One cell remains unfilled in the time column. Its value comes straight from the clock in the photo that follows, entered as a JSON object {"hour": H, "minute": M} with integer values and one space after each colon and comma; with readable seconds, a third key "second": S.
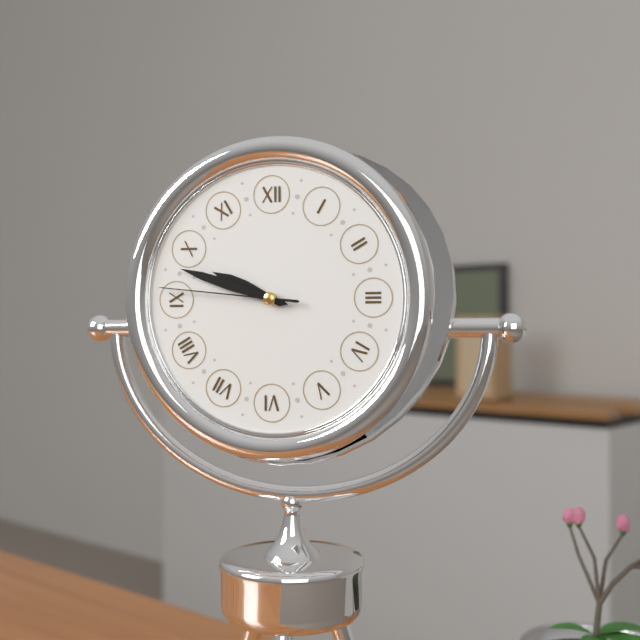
{"hour": 9, "minute": 48, "second": 46}
